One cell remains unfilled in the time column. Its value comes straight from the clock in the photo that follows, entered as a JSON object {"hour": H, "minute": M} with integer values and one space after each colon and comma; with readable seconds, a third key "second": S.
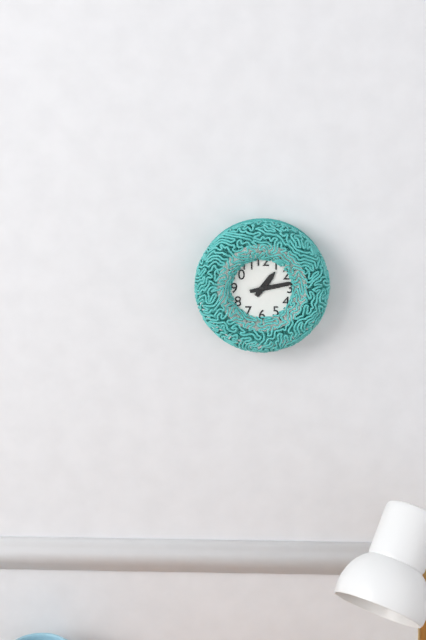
{"hour": 1, "minute": 13}
